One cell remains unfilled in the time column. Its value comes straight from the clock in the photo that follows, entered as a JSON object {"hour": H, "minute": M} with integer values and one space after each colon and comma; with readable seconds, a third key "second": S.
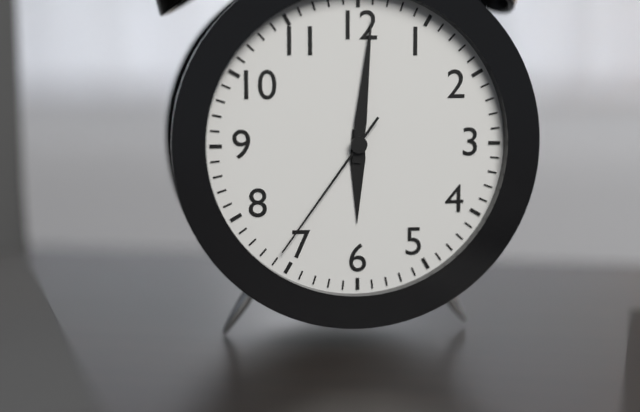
{"hour": 6, "minute": 1, "second": 36}
